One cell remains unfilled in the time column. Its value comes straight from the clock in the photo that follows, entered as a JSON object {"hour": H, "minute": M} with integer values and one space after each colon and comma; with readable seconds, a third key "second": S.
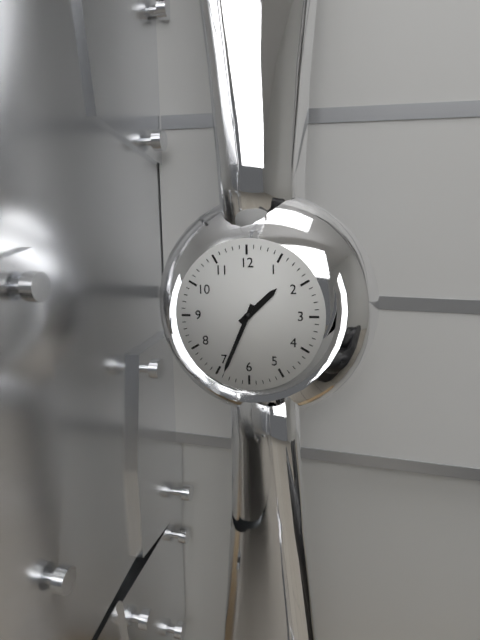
{"hour": 1, "minute": 34}
